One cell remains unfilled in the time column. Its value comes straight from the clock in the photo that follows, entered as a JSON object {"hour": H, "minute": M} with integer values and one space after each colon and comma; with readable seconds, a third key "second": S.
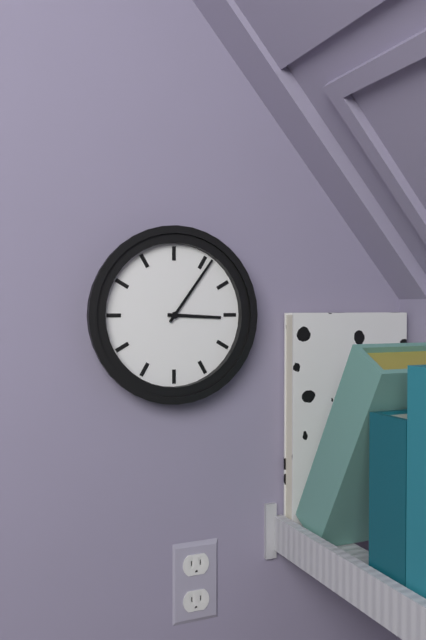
{"hour": 3, "minute": 6}
